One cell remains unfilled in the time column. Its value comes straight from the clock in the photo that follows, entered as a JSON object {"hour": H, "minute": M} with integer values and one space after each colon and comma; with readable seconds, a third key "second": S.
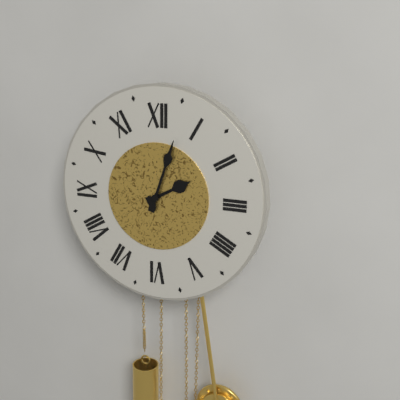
{"hour": 2, "minute": 3}
